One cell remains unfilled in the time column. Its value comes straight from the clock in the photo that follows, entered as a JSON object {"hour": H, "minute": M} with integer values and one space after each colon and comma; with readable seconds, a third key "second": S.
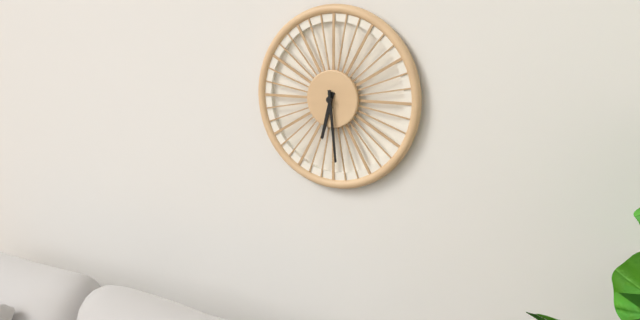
{"hour": 6, "minute": 29}
